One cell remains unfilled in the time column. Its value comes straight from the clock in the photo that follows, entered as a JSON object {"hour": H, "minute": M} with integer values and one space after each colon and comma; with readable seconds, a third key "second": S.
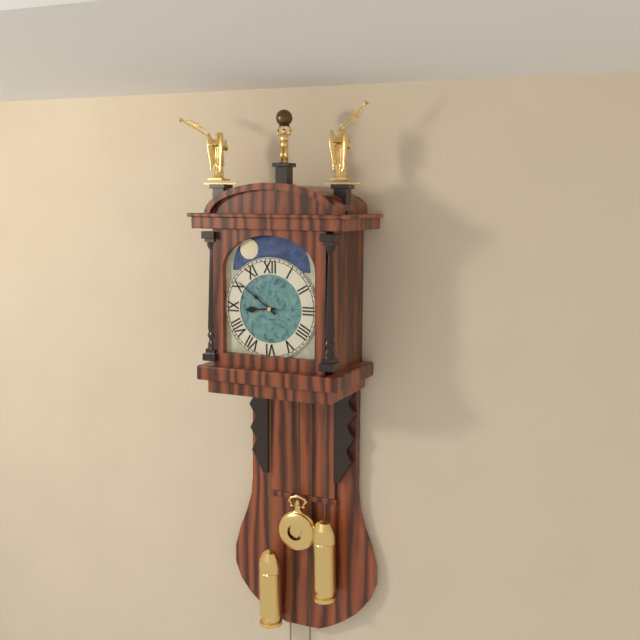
{"hour": 8, "minute": 51}
